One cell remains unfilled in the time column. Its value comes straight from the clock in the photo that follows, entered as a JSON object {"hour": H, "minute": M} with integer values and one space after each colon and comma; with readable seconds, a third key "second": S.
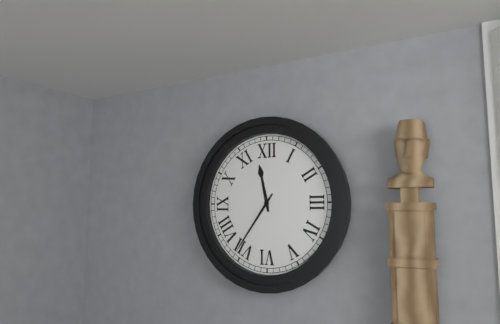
{"hour": 11, "minute": 36}
